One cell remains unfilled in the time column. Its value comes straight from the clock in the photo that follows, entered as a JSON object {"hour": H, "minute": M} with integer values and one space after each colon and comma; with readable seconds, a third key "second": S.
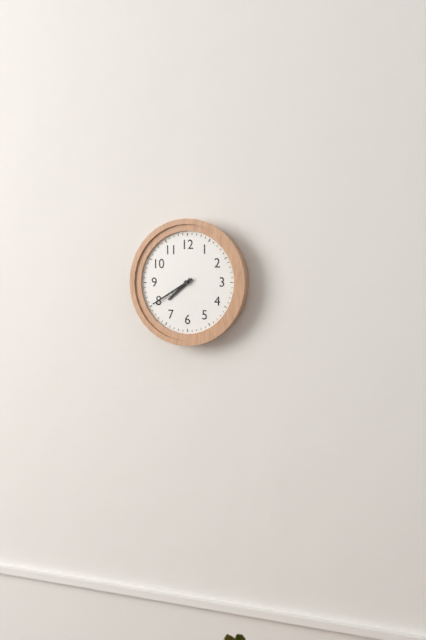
{"hour": 7, "minute": 40}
